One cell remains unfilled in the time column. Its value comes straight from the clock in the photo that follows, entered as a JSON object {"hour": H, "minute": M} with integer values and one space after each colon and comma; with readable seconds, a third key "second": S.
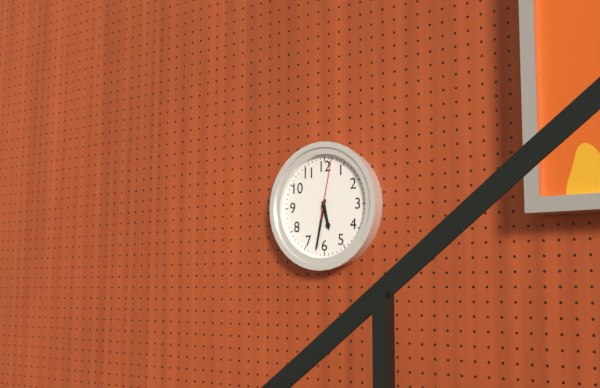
{"hour": 5, "minute": 32, "second": 2}
